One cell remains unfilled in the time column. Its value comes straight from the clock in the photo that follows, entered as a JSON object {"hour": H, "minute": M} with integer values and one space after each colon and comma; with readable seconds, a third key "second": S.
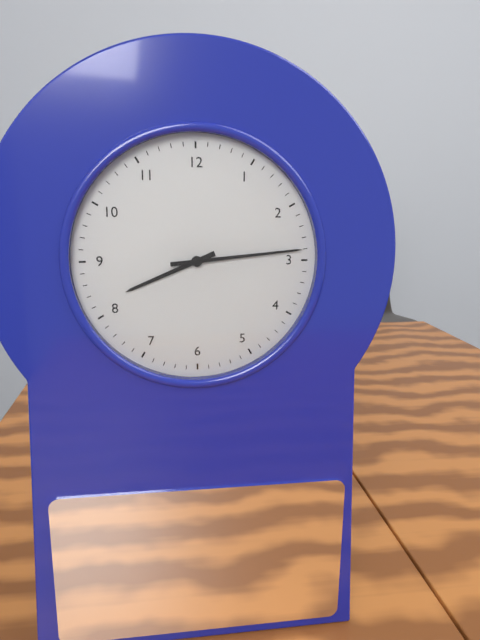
{"hour": 8, "minute": 14}
